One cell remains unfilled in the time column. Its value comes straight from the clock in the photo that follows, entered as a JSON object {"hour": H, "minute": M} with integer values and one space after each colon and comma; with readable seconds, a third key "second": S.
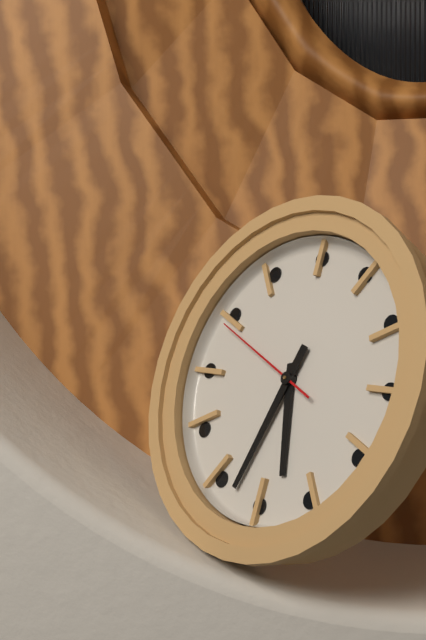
{"hour": 5, "minute": 33, "second": 49}
